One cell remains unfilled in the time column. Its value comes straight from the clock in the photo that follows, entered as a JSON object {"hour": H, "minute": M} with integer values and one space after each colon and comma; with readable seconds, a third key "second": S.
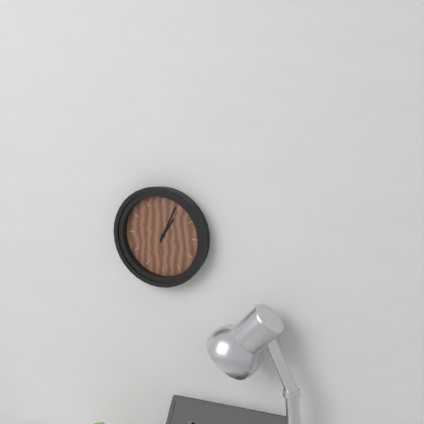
{"hour": 1, "minute": 4}
